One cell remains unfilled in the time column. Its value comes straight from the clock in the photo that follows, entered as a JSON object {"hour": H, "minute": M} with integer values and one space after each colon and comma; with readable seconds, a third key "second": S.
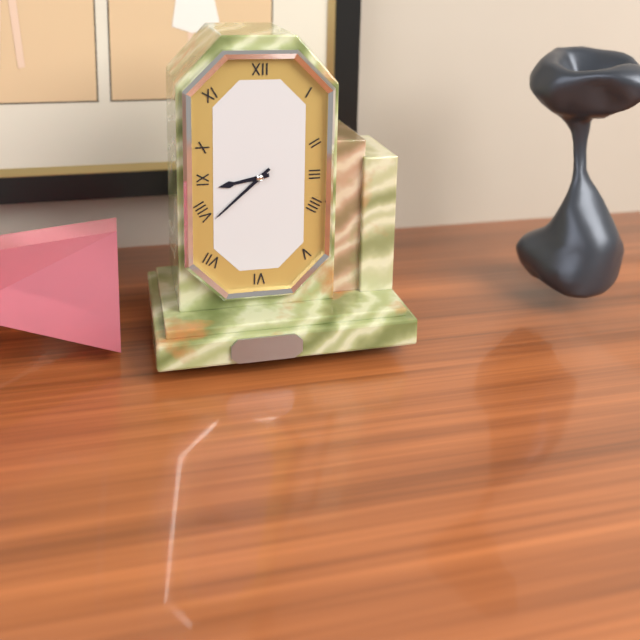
{"hour": 8, "minute": 38}
